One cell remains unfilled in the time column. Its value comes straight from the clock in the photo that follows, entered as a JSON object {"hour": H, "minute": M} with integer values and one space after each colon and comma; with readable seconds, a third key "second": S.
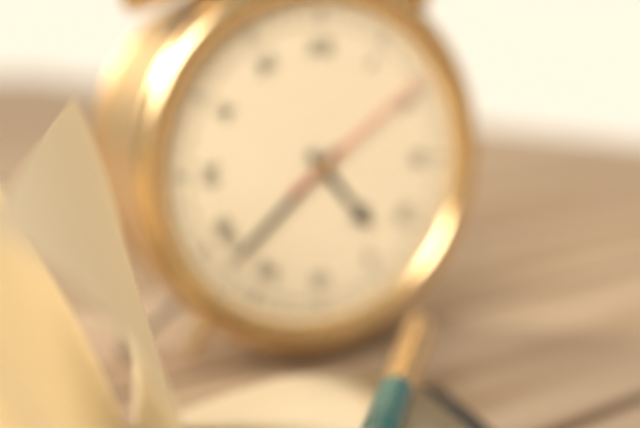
{"hour": 4, "minute": 38, "second": 9}
